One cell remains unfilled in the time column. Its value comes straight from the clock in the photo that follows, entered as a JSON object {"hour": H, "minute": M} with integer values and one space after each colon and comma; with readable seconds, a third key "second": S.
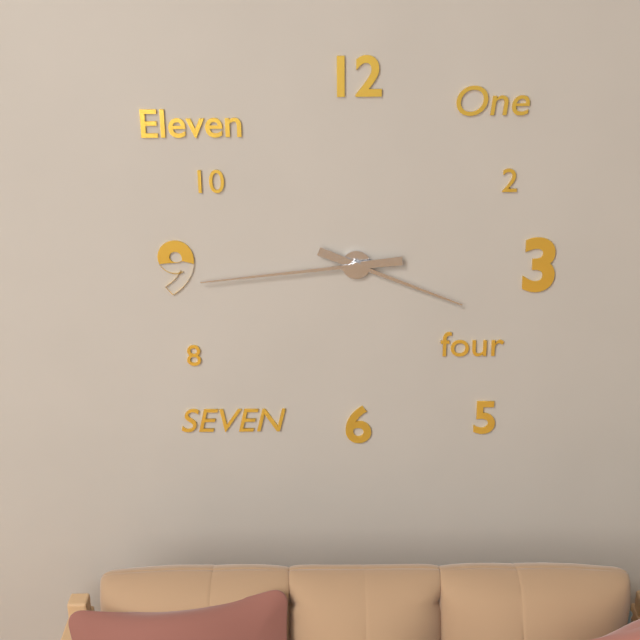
{"hour": 3, "minute": 44}
